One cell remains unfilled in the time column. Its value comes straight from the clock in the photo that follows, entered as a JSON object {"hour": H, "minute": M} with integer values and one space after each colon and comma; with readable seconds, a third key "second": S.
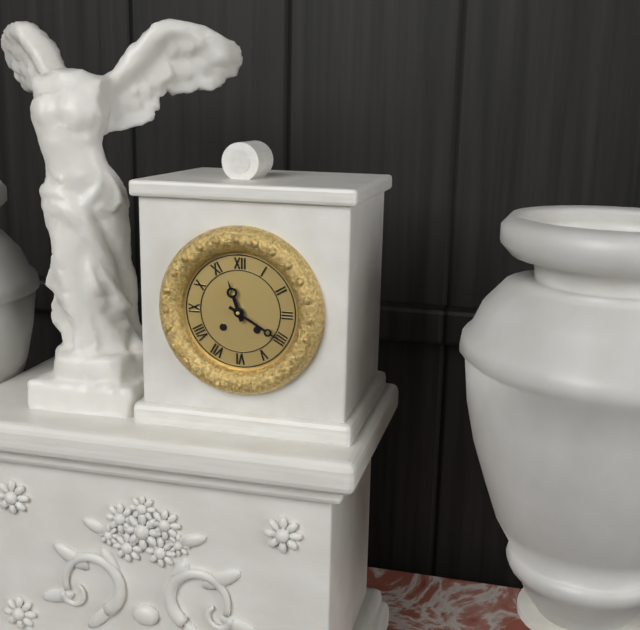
{"hour": 11, "minute": 20}
